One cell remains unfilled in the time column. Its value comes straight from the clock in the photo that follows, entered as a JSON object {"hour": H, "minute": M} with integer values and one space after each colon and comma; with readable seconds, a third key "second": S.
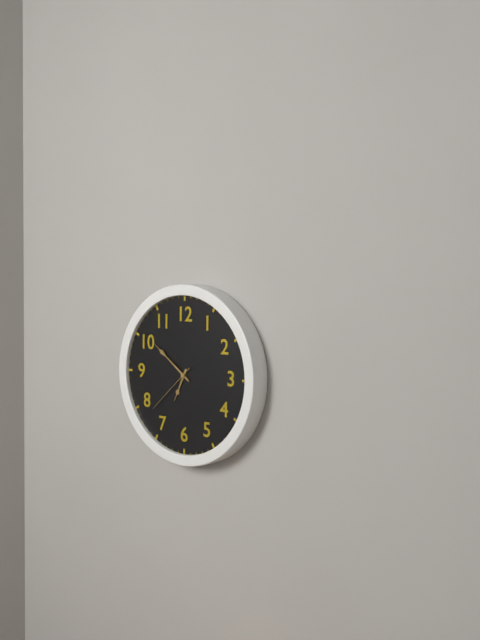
{"hour": 6, "minute": 51, "second": 38}
